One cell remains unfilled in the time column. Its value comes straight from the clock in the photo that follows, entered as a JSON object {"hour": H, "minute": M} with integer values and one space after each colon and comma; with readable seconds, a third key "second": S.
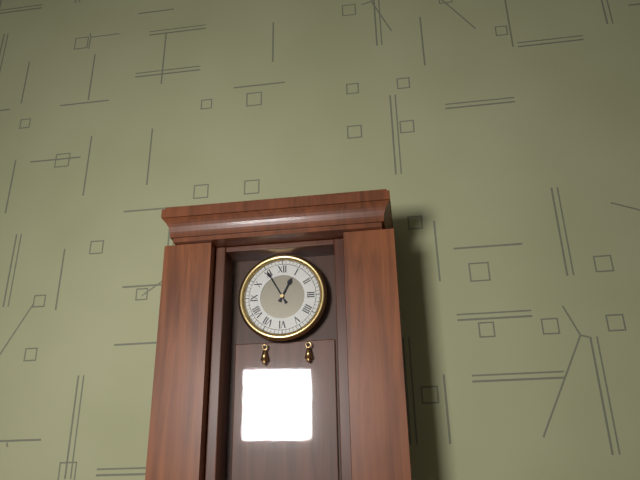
{"hour": 12, "minute": 55}
